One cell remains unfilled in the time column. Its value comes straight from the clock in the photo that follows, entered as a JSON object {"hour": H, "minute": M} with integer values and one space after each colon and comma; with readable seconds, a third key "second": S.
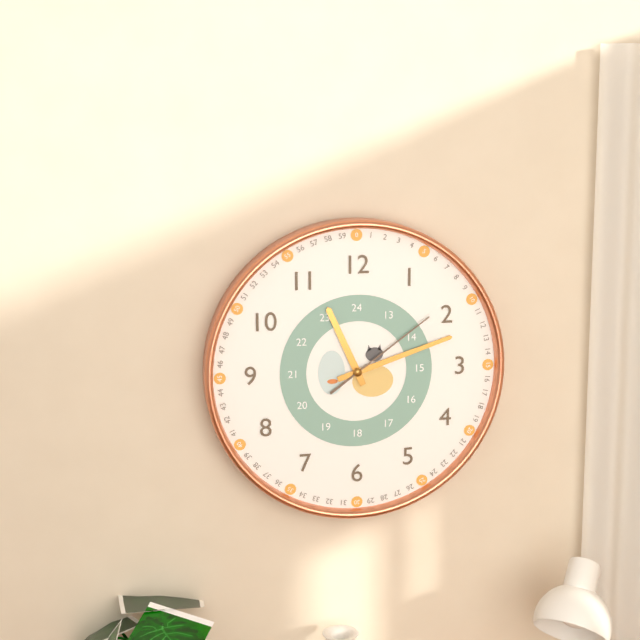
{"hour": 11, "minute": 12, "second": 9}
